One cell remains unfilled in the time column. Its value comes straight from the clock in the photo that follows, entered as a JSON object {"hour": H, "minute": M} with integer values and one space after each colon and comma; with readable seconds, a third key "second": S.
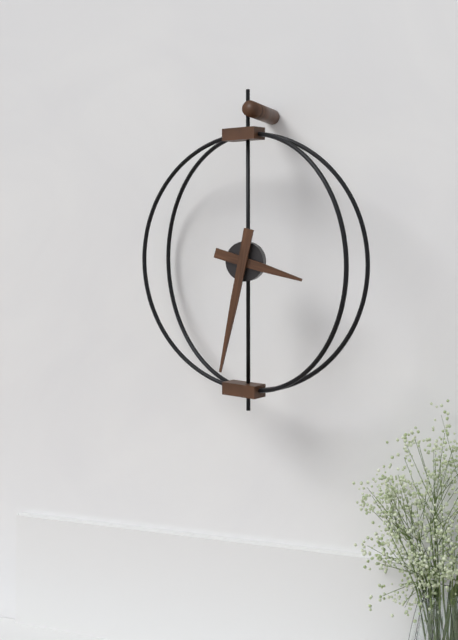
{"hour": 3, "minute": 32}
